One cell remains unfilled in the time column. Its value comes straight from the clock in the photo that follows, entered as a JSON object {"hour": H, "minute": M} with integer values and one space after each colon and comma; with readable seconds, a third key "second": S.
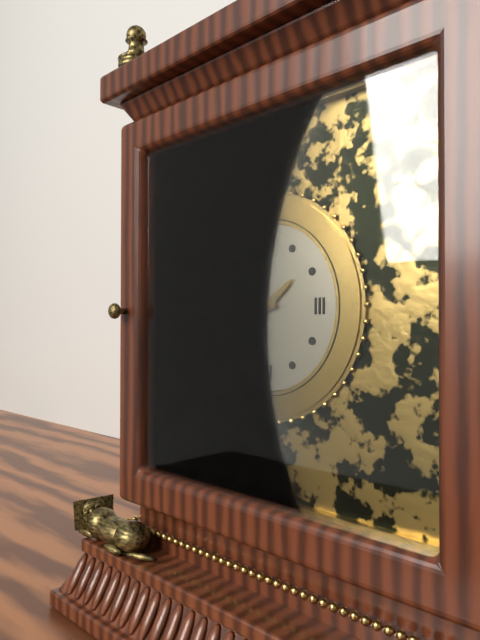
{"hour": 1, "minute": 44}
